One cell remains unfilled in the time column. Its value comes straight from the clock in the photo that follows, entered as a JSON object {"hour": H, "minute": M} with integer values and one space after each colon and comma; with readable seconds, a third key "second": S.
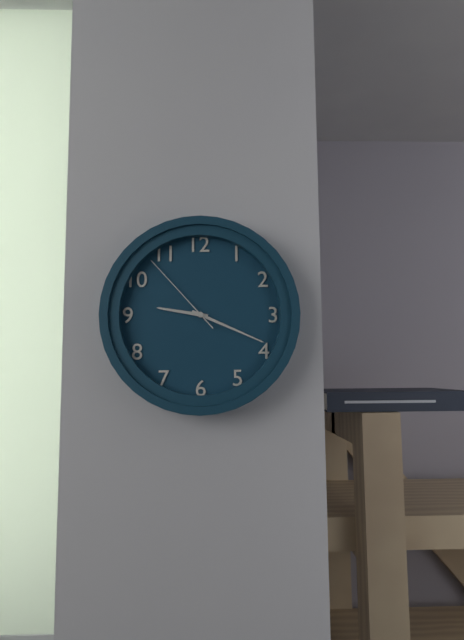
{"hour": 9, "minute": 19, "second": 53}
